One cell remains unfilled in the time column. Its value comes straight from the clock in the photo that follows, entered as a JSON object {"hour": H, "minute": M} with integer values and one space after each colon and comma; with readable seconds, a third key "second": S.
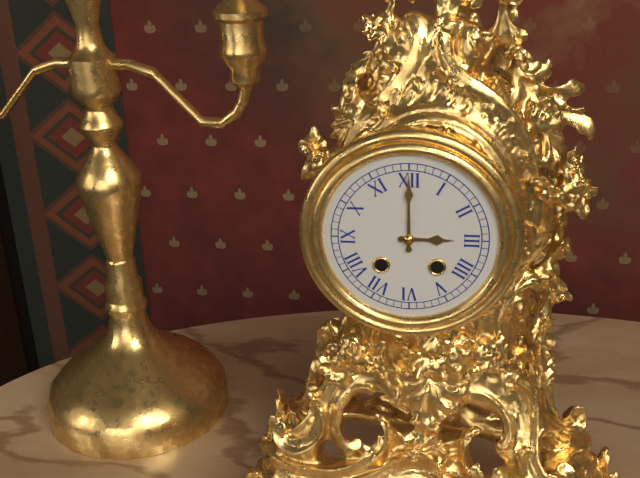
{"hour": 3, "minute": 0}
